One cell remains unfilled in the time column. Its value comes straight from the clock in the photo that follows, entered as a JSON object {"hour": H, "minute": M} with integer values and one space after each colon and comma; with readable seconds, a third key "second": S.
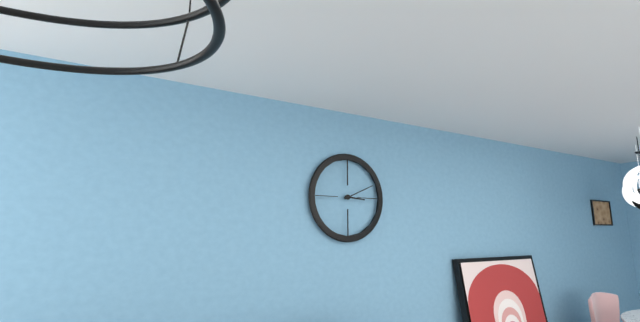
{"hour": 3, "minute": 11}
